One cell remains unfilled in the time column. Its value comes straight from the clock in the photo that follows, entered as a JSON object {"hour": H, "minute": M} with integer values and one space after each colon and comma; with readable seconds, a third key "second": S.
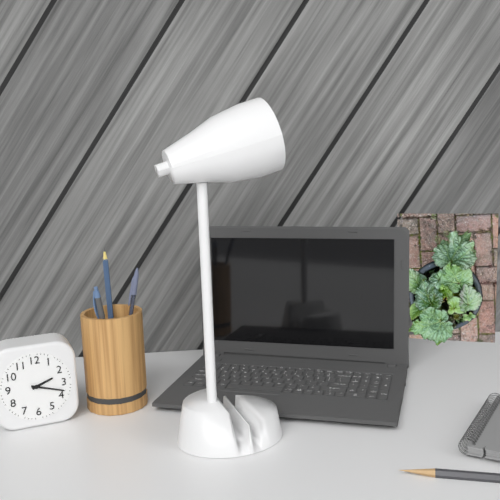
{"hour": 2, "minute": 18}
